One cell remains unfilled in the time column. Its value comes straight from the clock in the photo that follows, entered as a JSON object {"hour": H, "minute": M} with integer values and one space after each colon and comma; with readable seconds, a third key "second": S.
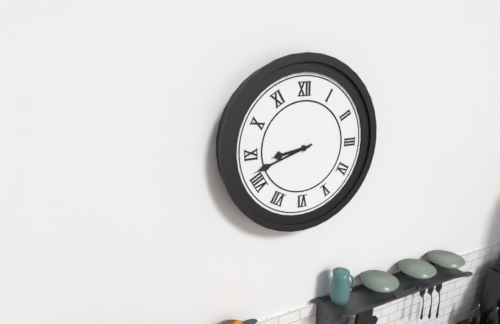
{"hour": 8, "minute": 42}
